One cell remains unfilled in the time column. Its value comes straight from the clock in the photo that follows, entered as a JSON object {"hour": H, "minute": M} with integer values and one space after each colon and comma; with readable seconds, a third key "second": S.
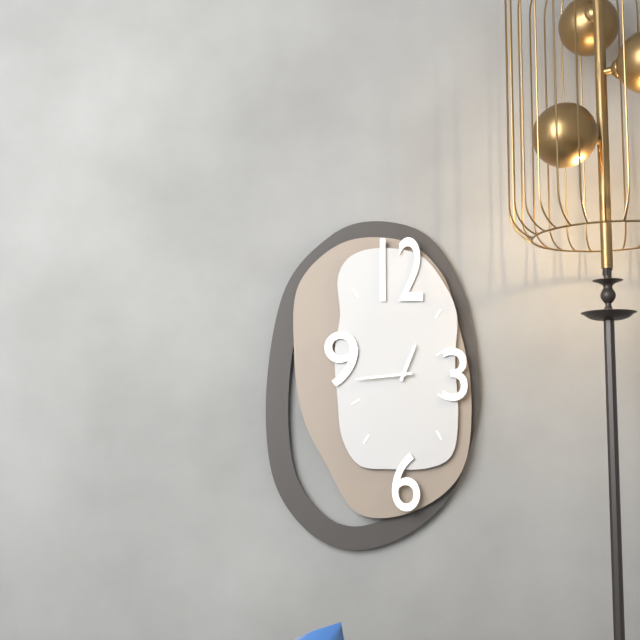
{"hour": 12, "minute": 44}
